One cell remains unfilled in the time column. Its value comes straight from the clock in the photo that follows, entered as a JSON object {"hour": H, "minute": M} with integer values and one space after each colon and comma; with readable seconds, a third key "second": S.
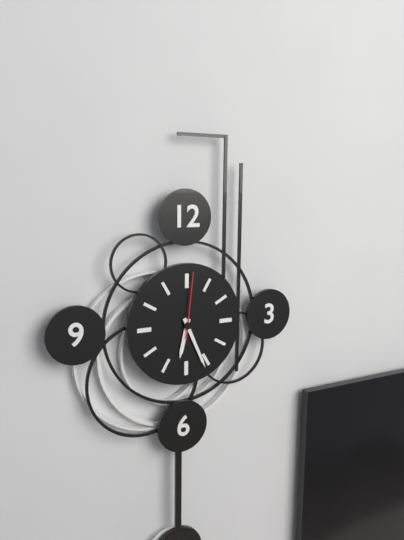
{"hour": 6, "minute": 26, "second": 1}
